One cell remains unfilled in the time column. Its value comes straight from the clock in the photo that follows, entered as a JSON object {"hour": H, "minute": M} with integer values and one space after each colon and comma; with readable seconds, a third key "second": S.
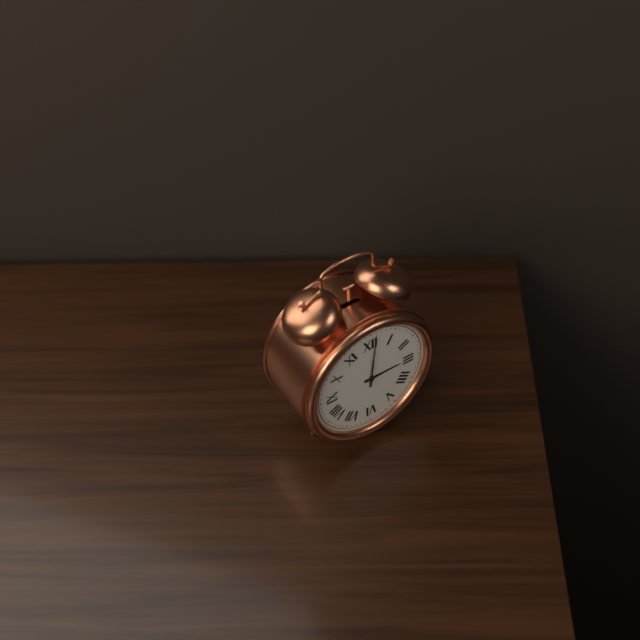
{"hour": 3, "minute": 1}
